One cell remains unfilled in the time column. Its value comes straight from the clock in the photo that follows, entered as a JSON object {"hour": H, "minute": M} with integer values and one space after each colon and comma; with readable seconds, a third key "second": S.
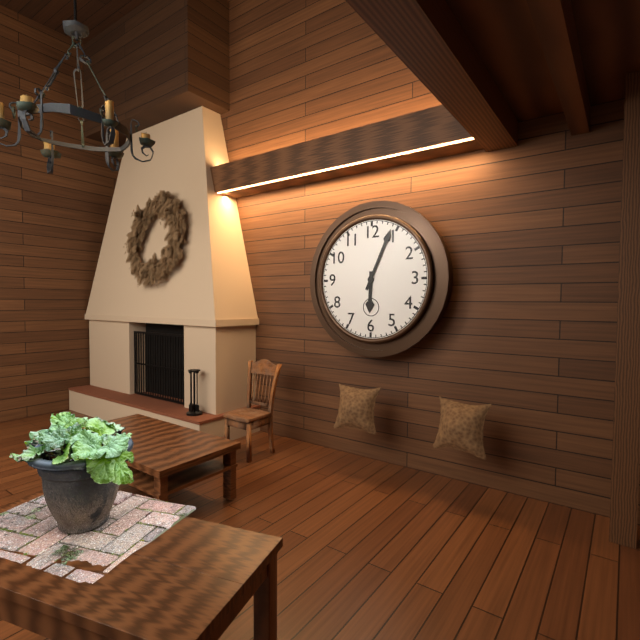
{"hour": 6, "minute": 4}
